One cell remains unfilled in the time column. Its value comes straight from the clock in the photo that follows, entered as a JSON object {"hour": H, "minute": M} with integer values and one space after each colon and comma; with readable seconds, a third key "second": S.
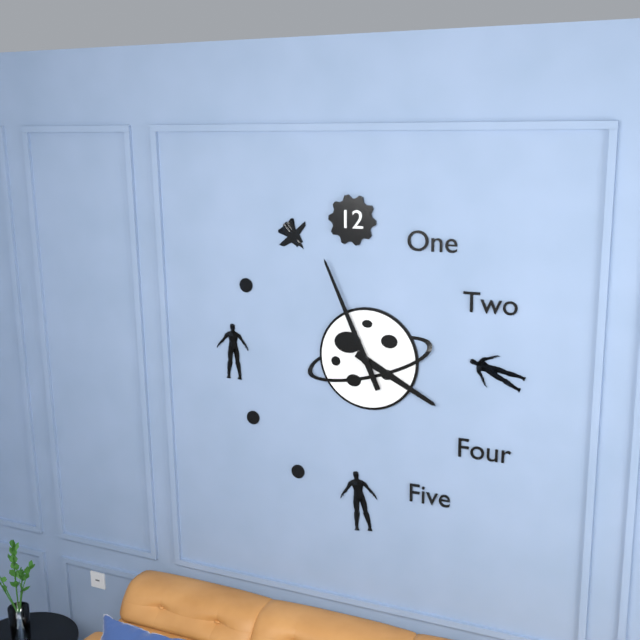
{"hour": 3, "minute": 56}
